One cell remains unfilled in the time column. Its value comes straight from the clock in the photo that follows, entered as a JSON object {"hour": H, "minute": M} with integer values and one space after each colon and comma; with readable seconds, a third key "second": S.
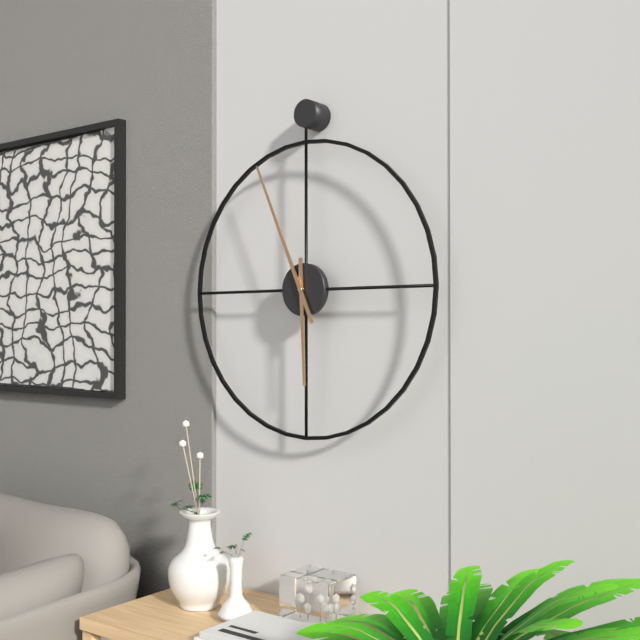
{"hour": 5, "minute": 56}
